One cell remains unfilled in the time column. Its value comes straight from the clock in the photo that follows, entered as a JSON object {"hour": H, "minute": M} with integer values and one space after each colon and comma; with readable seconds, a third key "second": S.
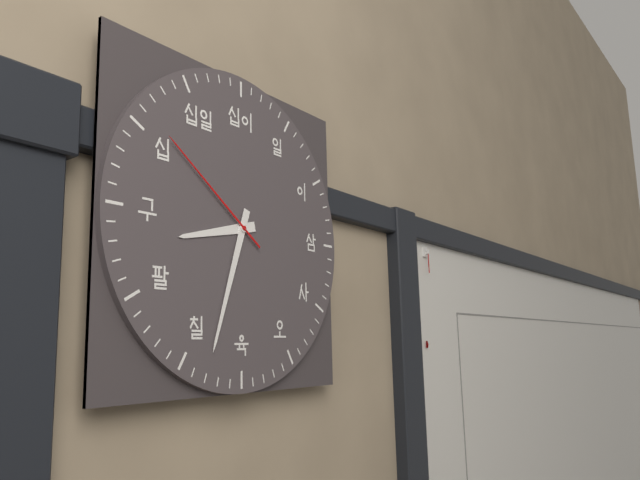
{"hour": 8, "minute": 33, "second": 51}
